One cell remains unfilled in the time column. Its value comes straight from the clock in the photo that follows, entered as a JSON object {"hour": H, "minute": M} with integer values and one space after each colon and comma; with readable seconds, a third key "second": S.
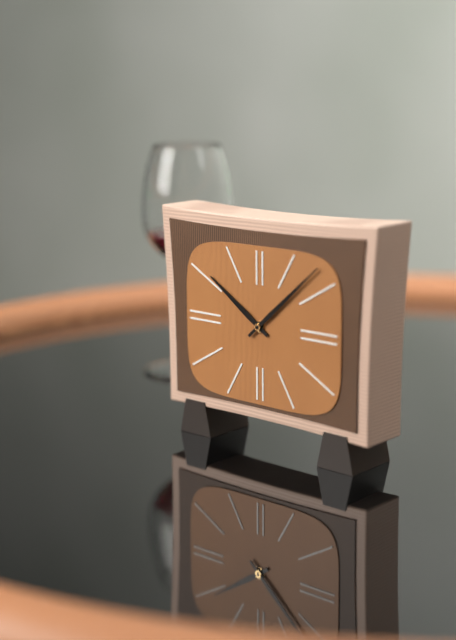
{"hour": 10, "minute": 8}
